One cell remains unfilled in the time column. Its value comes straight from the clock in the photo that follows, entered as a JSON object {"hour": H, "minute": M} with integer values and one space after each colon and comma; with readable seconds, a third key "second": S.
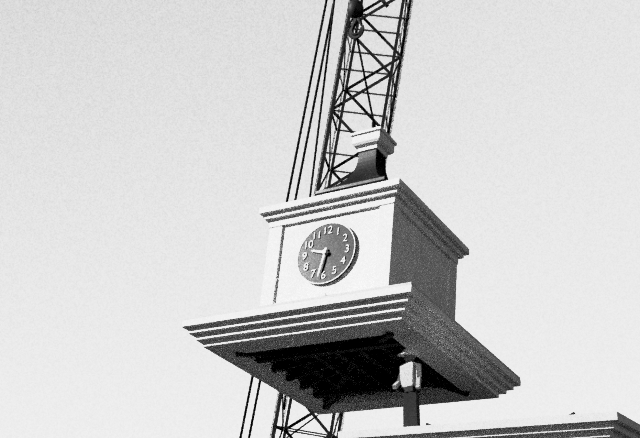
{"hour": 9, "minute": 32}
